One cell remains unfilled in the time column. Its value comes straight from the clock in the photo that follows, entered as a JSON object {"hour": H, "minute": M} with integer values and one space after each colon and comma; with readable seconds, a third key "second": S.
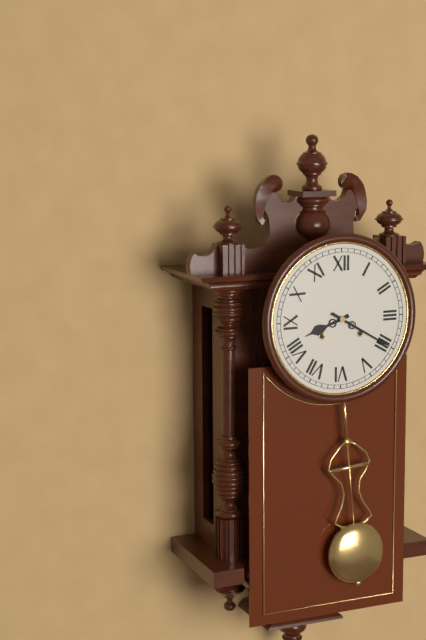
{"hour": 8, "minute": 20}
